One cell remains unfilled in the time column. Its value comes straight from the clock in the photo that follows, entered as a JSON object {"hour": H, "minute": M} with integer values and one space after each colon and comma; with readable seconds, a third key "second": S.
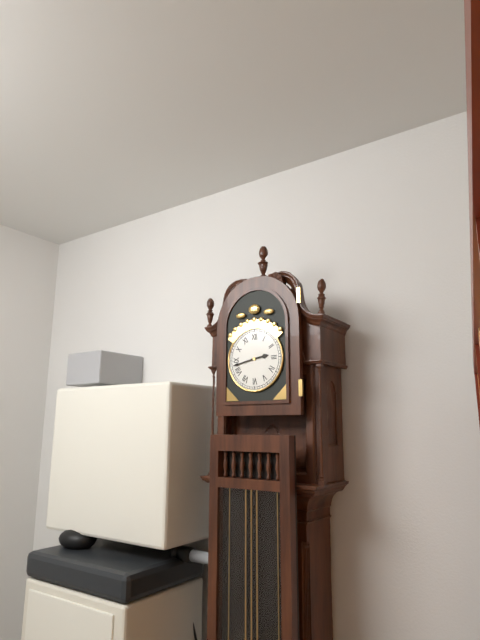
{"hour": 2, "minute": 43}
